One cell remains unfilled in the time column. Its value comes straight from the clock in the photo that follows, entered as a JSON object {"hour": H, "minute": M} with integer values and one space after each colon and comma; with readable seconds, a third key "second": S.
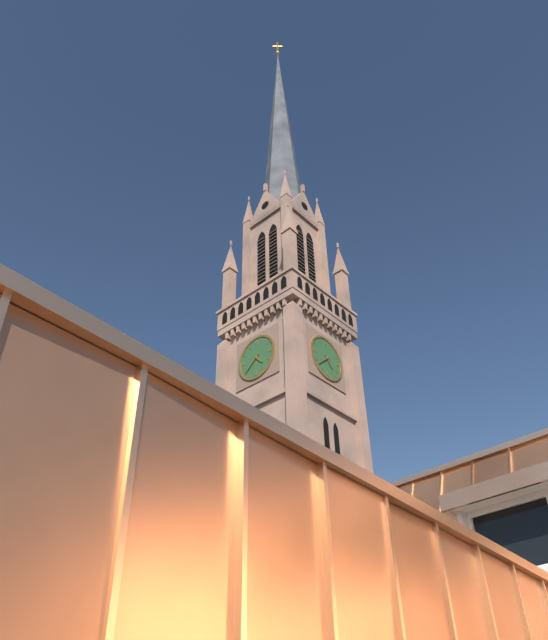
{"hour": 4, "minute": 38}
